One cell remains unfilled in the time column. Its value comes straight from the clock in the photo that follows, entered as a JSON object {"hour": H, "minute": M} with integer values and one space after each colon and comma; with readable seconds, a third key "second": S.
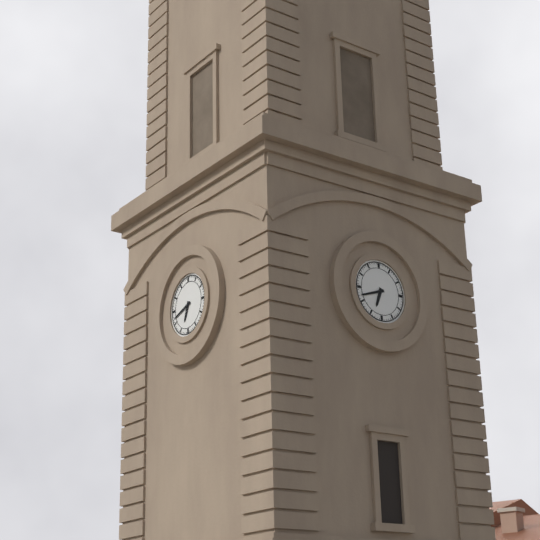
{"hour": 6, "minute": 42}
